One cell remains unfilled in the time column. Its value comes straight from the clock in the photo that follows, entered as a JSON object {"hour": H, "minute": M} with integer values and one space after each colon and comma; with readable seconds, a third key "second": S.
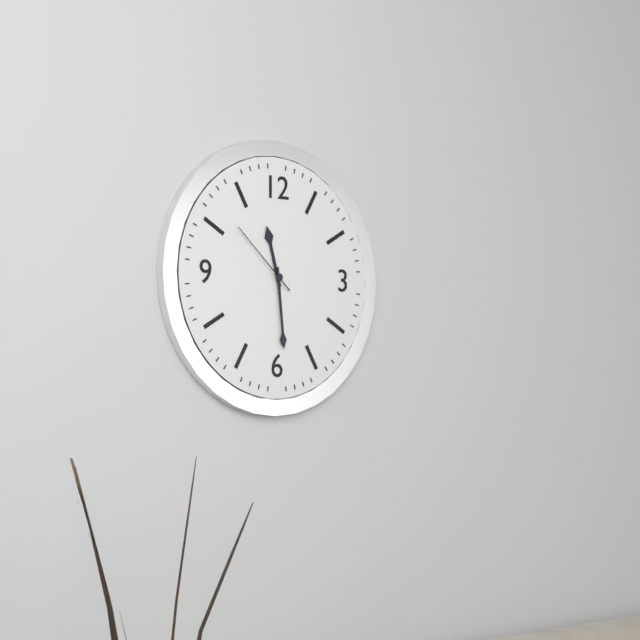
{"hour": 11, "minute": 29, "second": 52}
